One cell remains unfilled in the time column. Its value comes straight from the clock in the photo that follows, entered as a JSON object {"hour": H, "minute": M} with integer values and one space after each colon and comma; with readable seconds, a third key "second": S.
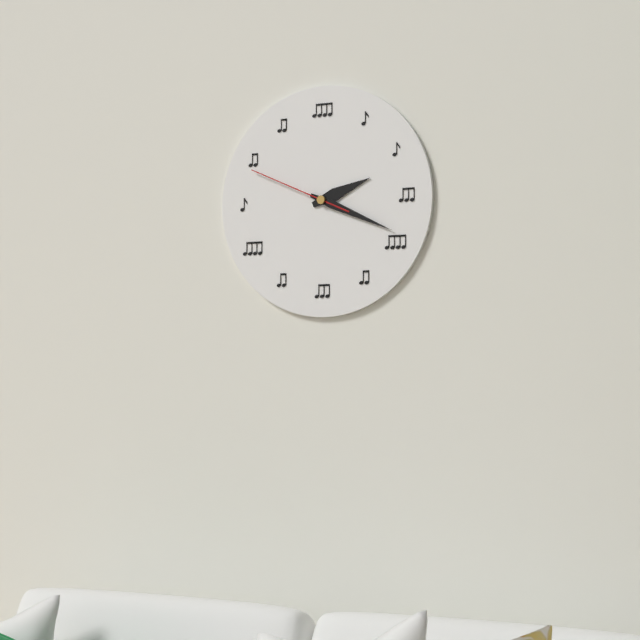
{"hour": 2, "minute": 19, "second": 49}
